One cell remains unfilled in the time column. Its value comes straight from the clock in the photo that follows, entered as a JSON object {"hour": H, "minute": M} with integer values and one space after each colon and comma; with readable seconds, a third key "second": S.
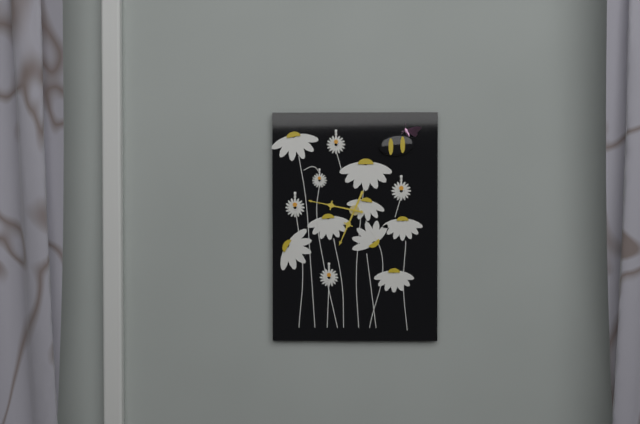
{"hour": 6, "minute": 47}
